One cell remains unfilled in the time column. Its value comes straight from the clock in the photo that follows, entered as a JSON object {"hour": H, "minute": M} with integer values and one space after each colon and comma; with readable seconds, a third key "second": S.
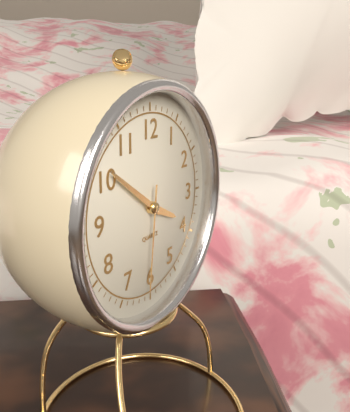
{"hour": 3, "minute": 51, "second": 31}
